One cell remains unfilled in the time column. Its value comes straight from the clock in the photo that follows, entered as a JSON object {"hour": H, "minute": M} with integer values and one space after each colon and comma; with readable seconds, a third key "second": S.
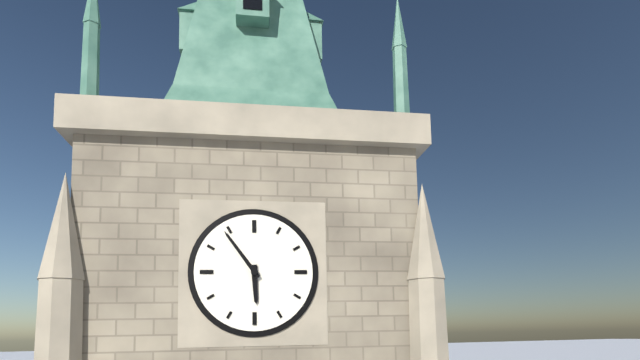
{"hour": 5, "minute": 54}
